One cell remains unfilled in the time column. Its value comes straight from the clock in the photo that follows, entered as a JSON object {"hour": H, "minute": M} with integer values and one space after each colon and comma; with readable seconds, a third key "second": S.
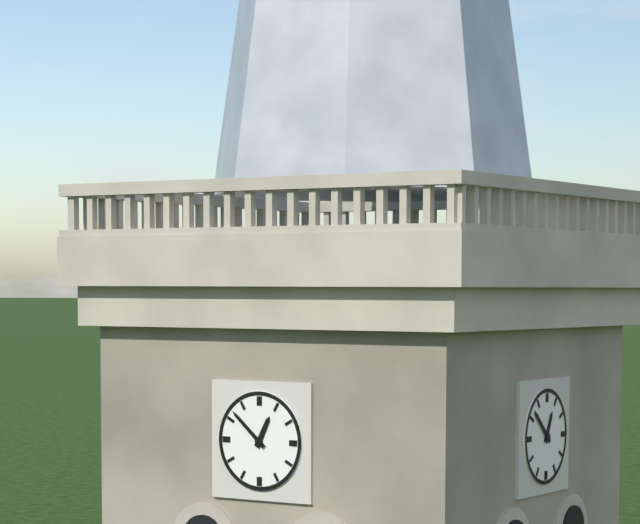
{"hour": 12, "minute": 52}
